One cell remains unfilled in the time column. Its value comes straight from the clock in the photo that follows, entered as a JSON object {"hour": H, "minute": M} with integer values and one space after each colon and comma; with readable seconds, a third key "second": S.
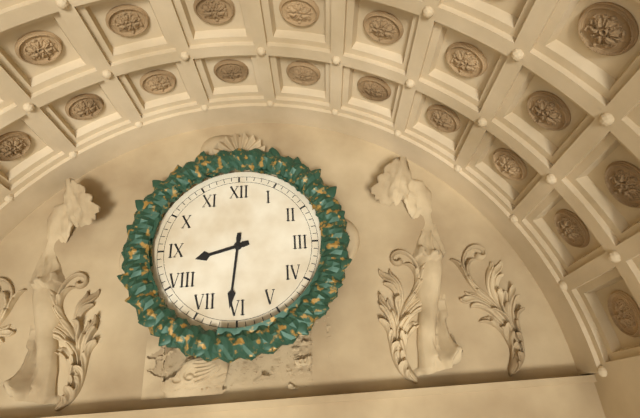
{"hour": 8, "minute": 31}
